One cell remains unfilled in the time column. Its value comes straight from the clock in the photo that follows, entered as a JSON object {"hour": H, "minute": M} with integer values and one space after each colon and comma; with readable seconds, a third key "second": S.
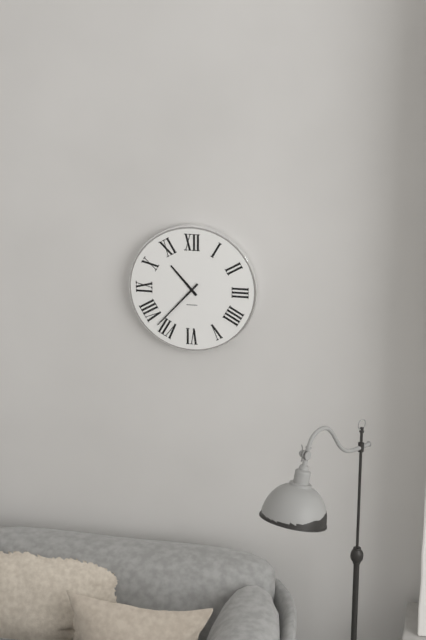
{"hour": 10, "minute": 37}
